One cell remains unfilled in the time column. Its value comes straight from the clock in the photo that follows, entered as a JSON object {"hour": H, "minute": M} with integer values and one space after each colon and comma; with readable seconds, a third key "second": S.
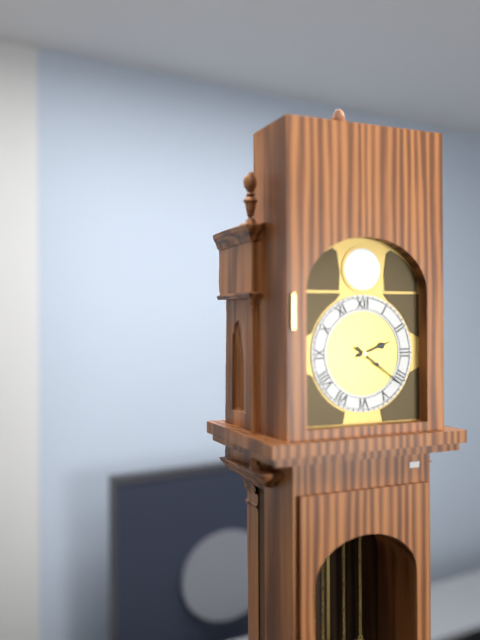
{"hour": 2, "minute": 21}
